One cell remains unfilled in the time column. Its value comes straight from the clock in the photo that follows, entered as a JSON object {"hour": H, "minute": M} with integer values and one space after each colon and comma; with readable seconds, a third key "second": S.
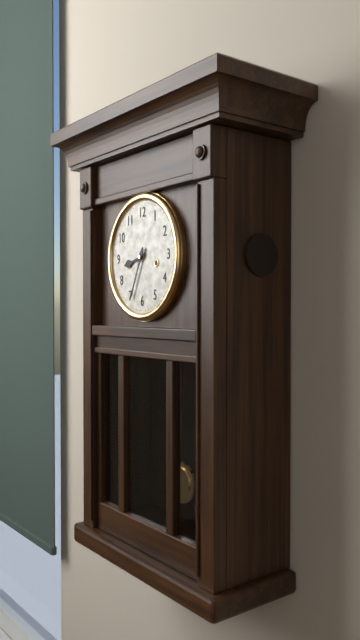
{"hour": 8, "minute": 34}
